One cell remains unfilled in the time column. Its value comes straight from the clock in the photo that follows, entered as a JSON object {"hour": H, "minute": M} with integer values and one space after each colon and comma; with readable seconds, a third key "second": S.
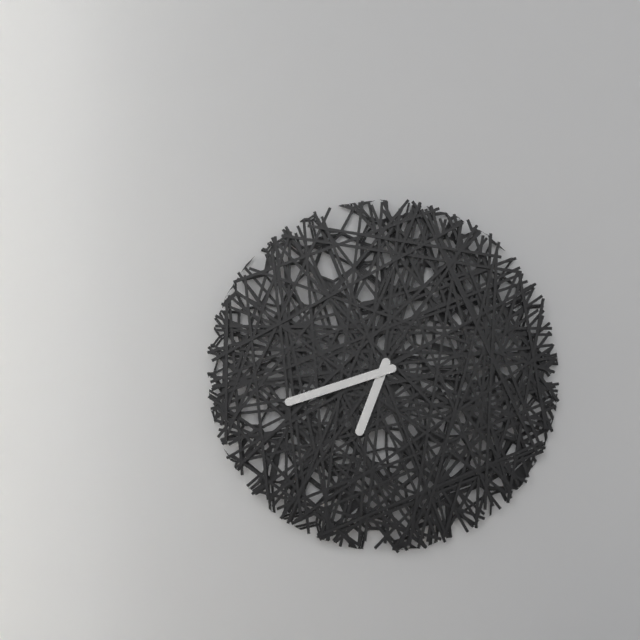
{"hour": 6, "minute": 42}
